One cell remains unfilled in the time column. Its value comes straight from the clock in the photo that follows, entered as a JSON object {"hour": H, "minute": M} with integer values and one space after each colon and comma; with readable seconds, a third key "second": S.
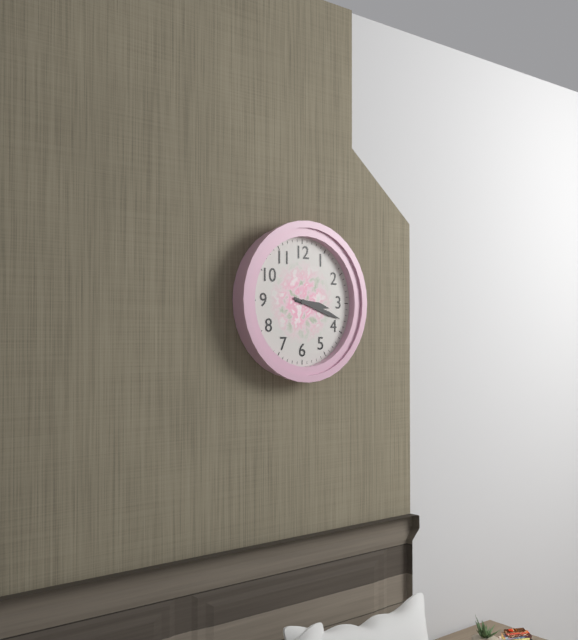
{"hour": 3, "minute": 18}
